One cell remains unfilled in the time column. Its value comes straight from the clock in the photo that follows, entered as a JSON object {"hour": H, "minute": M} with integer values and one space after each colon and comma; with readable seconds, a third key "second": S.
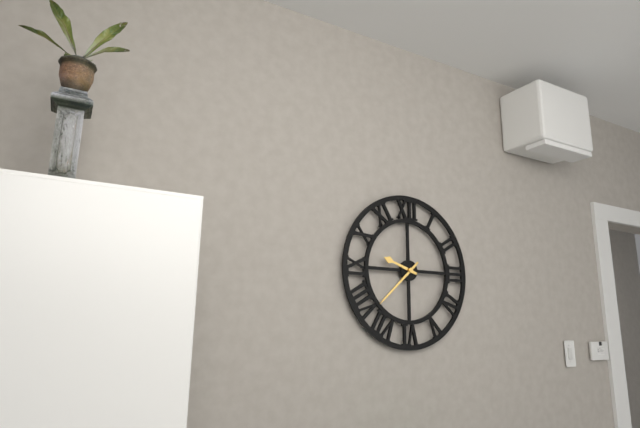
{"hour": 9, "minute": 38}
